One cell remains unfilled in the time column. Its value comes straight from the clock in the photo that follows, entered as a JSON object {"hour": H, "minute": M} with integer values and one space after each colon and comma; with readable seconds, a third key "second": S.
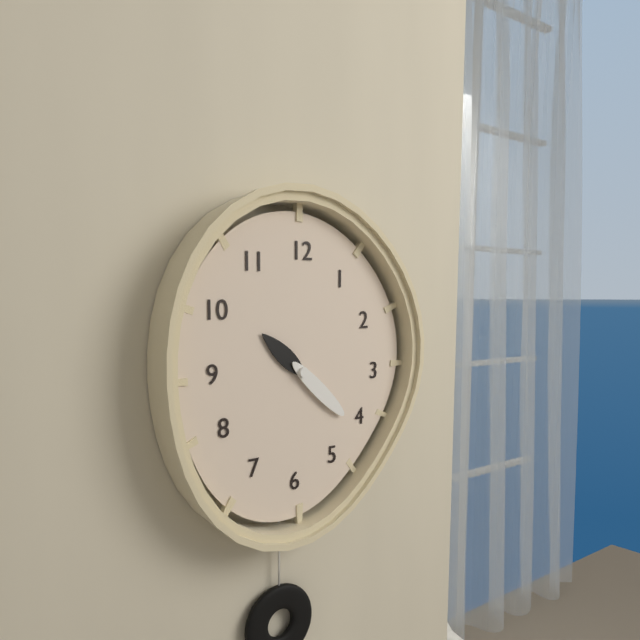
{"hour": 10, "minute": 22}
